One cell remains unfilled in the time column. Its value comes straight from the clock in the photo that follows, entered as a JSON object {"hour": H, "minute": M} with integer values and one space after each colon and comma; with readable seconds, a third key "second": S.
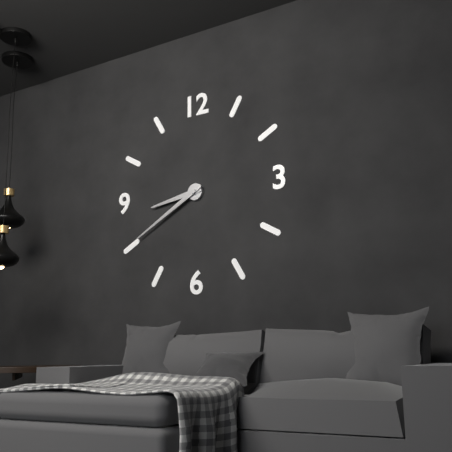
{"hour": 8, "minute": 40}
